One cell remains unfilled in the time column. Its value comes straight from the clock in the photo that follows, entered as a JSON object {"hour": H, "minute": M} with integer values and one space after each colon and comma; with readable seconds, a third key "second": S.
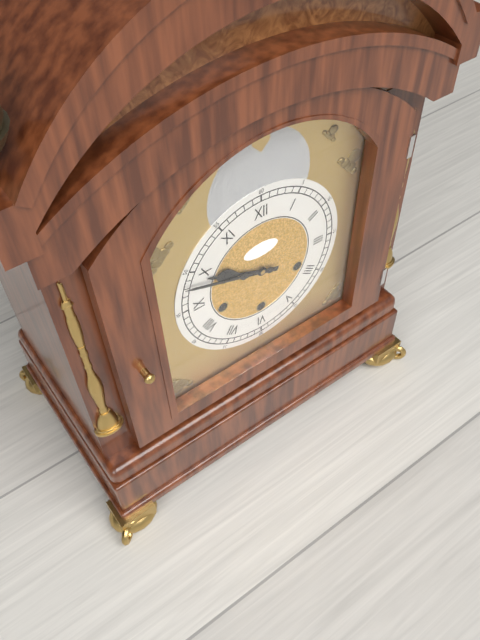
{"hour": 9, "minute": 48}
